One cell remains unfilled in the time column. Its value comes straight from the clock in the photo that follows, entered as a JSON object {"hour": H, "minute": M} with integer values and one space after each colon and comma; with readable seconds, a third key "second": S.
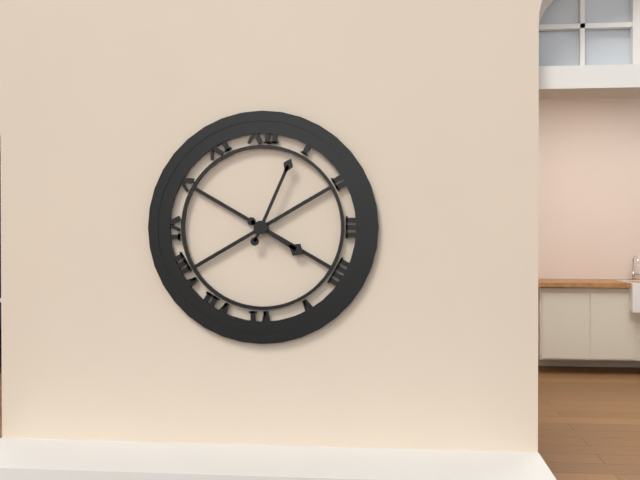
{"hour": 4, "minute": 4}
